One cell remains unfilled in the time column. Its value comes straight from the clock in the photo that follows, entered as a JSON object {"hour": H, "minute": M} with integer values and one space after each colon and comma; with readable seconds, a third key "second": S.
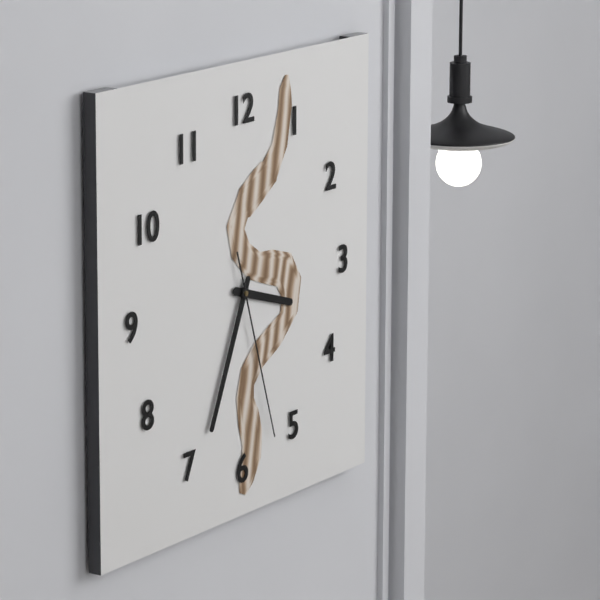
{"hour": 3, "minute": 34, "second": 27}
